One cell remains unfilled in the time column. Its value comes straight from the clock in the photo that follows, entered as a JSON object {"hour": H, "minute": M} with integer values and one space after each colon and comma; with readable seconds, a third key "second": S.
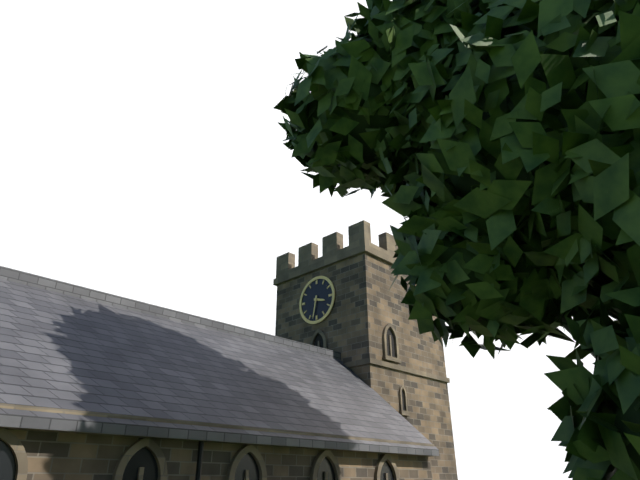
{"hour": 3, "minute": 32}
